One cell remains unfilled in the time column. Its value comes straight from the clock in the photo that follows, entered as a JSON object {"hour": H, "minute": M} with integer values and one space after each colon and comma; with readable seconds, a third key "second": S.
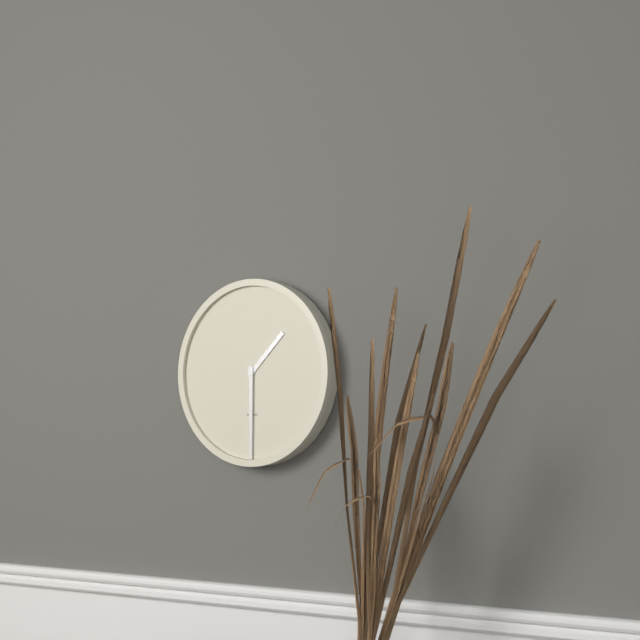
{"hour": 1, "minute": 30}
